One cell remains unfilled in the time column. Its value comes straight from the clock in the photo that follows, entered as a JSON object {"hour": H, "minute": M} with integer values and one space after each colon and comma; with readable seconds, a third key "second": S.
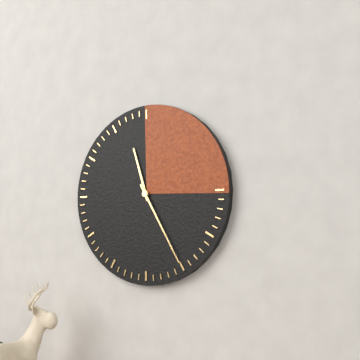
{"hour": 11, "minute": 25}
